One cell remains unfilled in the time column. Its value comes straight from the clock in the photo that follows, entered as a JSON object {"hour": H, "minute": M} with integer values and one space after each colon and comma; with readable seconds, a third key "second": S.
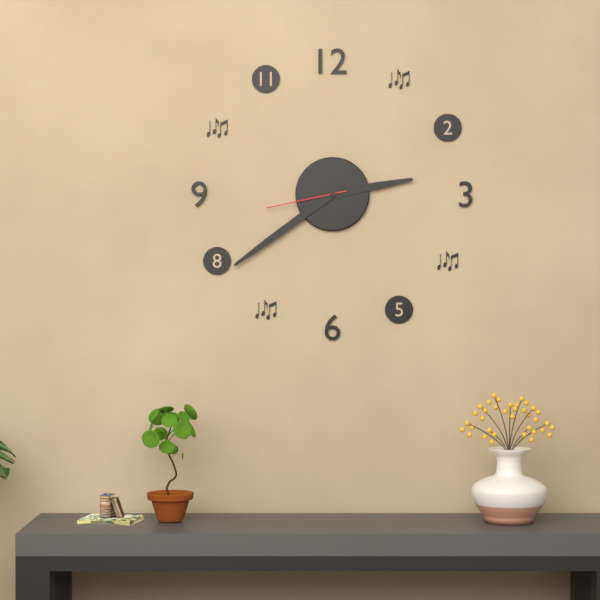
{"hour": 2, "minute": 39, "second": 43}
